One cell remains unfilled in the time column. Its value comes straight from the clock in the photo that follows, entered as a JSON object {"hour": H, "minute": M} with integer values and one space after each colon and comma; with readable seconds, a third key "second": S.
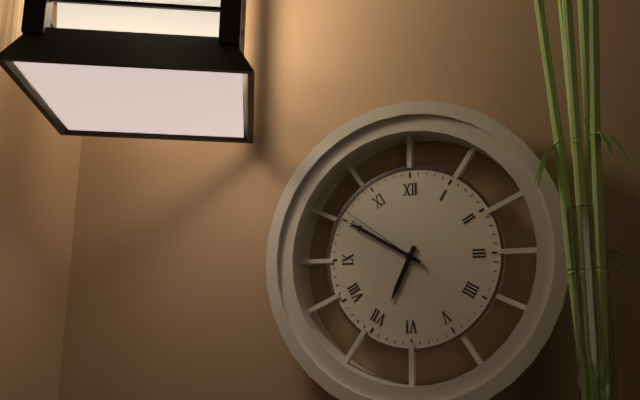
{"hour": 6, "minute": 50, "second": 51}
